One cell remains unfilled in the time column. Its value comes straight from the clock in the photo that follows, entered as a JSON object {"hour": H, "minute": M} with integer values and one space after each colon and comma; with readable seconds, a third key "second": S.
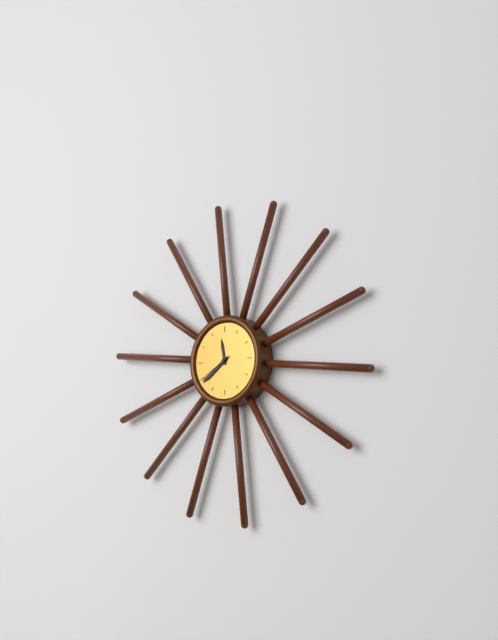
{"hour": 11, "minute": 39}
